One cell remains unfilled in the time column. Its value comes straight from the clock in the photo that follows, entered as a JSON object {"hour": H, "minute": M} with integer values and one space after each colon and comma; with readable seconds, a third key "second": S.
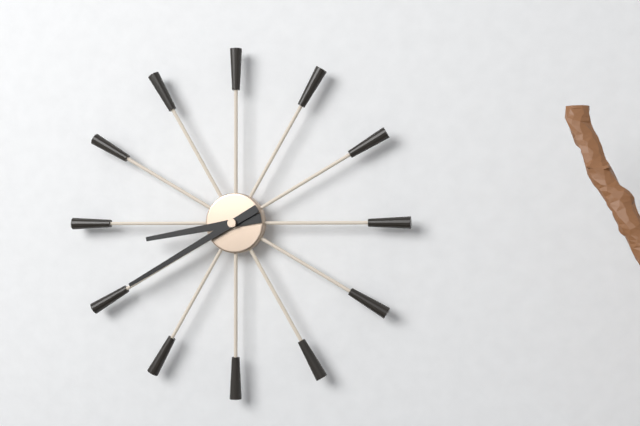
{"hour": 8, "minute": 40}
